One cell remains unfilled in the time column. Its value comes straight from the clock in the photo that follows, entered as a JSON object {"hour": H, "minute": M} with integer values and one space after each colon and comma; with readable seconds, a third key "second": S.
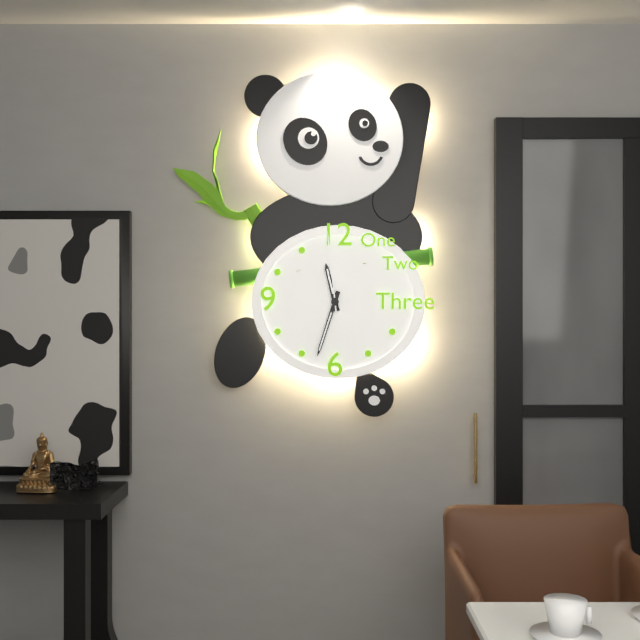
{"hour": 11, "minute": 33, "second": 59}
